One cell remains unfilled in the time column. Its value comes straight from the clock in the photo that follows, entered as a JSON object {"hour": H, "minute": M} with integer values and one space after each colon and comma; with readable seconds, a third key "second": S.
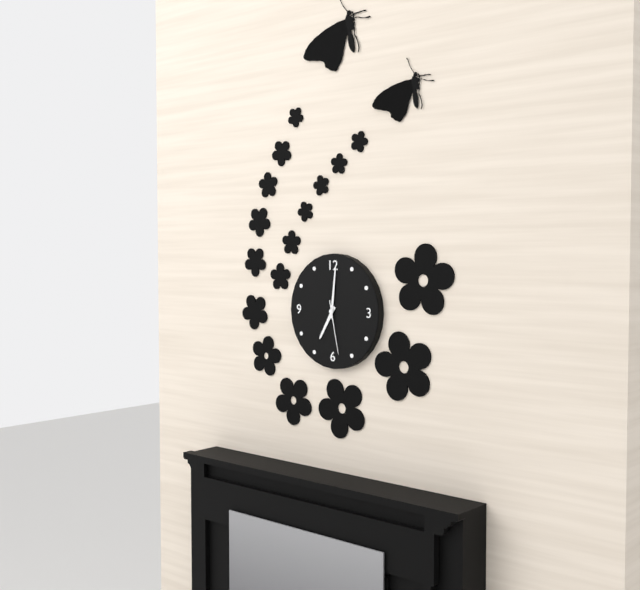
{"hour": 7, "minute": 1, "second": 28}
